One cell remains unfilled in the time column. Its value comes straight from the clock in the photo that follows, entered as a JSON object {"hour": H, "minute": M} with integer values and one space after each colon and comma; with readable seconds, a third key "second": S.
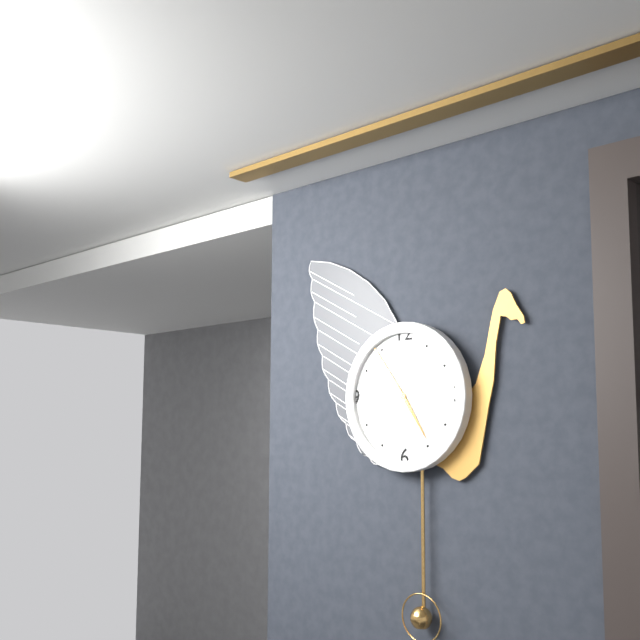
{"hour": 4, "minute": 54}
